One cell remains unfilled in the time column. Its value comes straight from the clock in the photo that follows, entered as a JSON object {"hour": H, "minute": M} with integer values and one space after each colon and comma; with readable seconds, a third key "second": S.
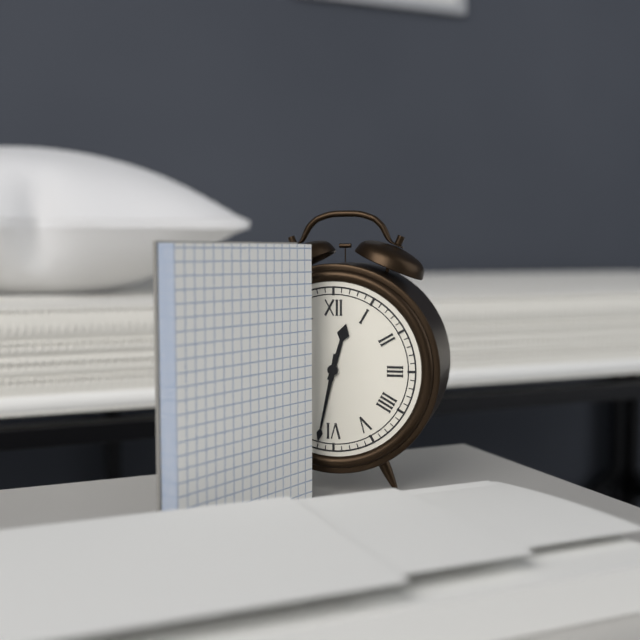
{"hour": 12, "minute": 32}
